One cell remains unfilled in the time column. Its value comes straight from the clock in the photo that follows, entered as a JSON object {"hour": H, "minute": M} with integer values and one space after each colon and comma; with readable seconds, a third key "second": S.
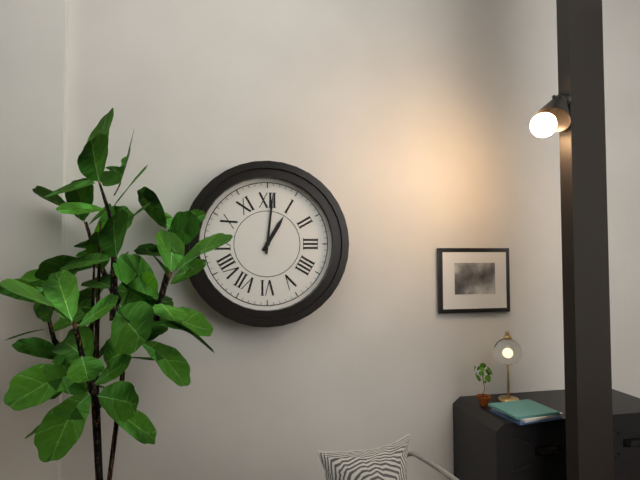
{"hour": 1, "minute": 1}
